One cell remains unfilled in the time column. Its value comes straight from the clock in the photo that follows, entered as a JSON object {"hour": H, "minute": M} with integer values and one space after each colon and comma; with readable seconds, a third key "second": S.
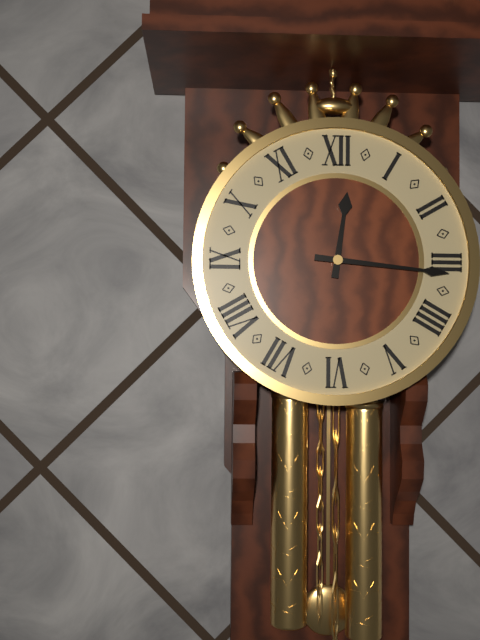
{"hour": 12, "minute": 16}
